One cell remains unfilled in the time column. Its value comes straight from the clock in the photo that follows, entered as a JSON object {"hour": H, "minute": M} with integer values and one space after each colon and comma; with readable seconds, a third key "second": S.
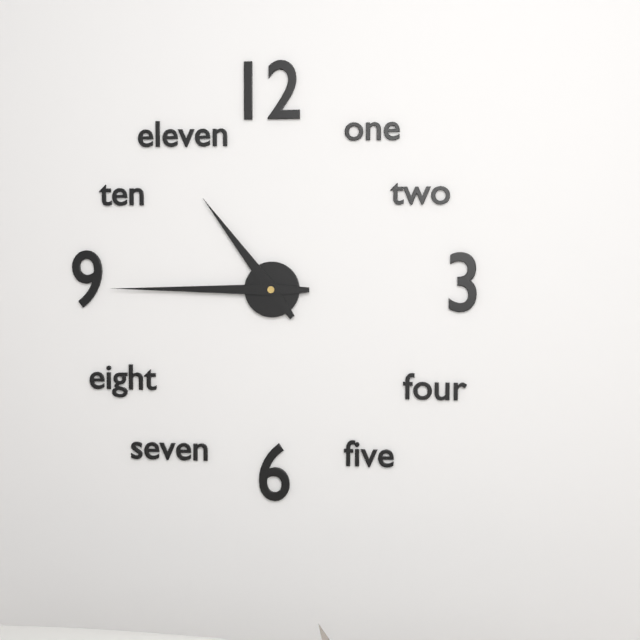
{"hour": 10, "minute": 45}
